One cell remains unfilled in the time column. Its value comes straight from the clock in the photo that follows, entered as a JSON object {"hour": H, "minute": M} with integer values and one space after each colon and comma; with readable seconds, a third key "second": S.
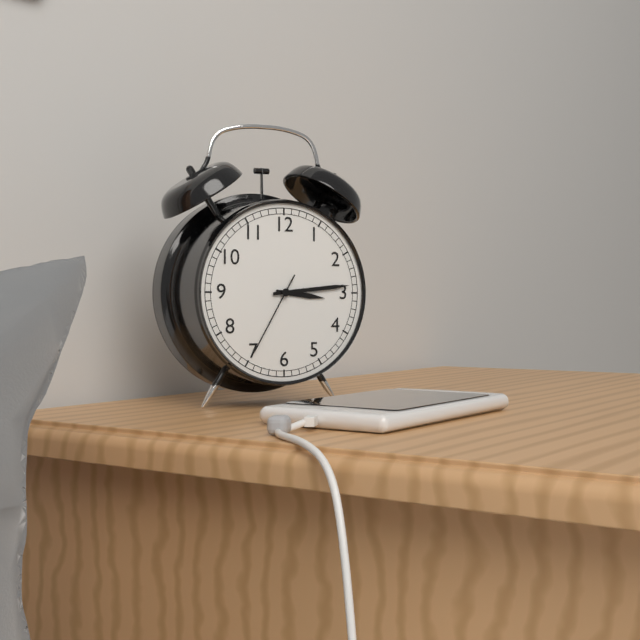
{"hour": 3, "minute": 14, "second": 35}
